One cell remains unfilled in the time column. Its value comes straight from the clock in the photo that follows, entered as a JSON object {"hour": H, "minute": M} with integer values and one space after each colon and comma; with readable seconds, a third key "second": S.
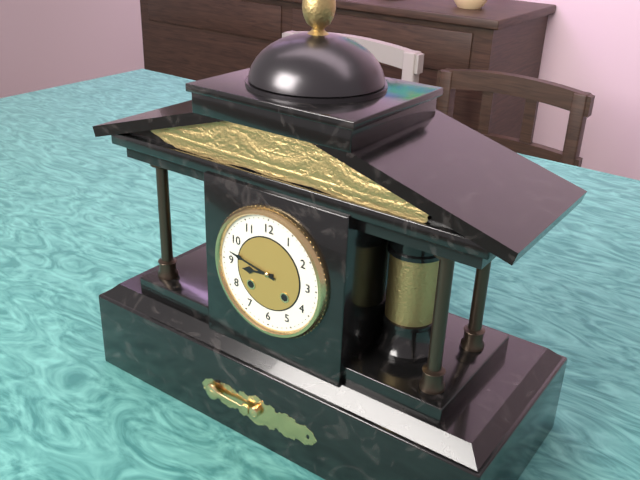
{"hour": 8, "minute": 47}
